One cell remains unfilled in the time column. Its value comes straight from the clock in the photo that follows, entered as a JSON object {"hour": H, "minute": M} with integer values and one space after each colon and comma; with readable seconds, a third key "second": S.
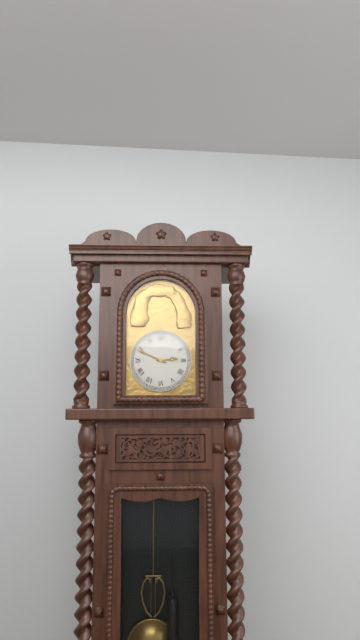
{"hour": 2, "minute": 49}
